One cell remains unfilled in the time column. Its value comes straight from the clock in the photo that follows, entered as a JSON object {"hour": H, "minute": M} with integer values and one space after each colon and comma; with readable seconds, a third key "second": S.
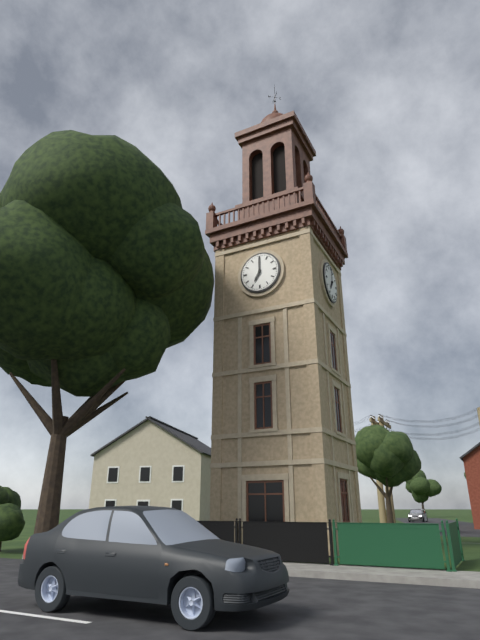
{"hour": 7, "minute": 0}
